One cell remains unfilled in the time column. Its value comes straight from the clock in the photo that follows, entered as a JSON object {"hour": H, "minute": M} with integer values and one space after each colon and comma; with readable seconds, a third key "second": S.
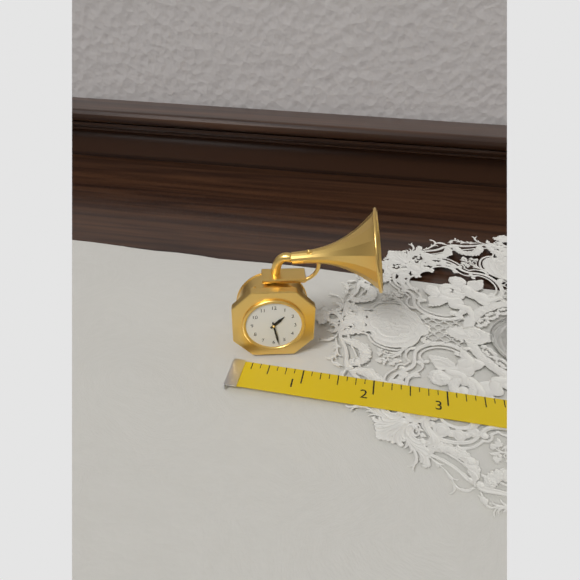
{"hour": 1, "minute": 28}
